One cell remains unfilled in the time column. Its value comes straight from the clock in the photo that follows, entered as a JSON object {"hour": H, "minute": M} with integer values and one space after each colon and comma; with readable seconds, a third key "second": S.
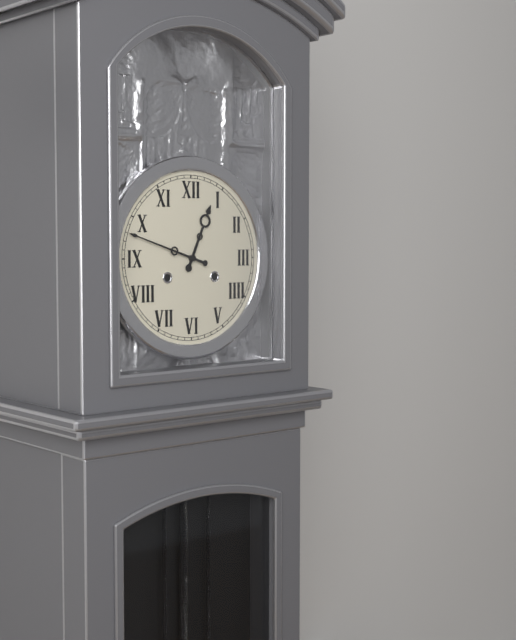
{"hour": 12, "minute": 48}
